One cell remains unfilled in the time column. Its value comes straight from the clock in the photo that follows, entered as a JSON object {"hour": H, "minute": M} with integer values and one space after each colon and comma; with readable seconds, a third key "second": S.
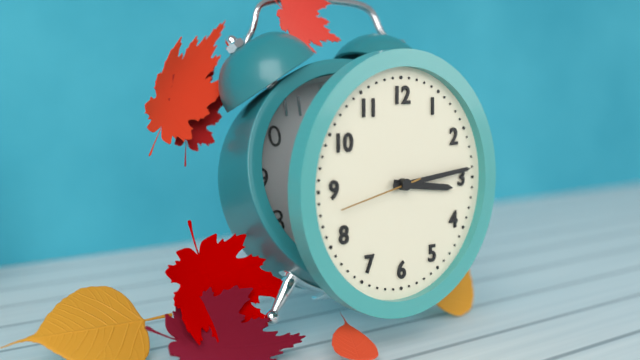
{"hour": 3, "minute": 14, "second": 43}
